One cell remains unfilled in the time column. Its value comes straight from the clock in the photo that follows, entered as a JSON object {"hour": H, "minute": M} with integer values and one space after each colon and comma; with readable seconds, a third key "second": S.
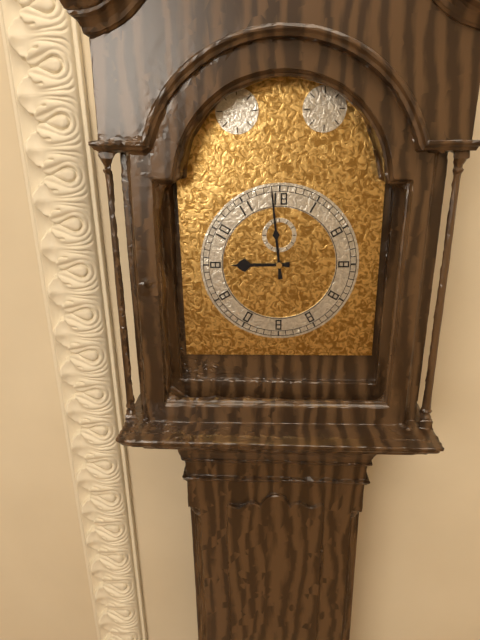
{"hour": 8, "minute": 59}
